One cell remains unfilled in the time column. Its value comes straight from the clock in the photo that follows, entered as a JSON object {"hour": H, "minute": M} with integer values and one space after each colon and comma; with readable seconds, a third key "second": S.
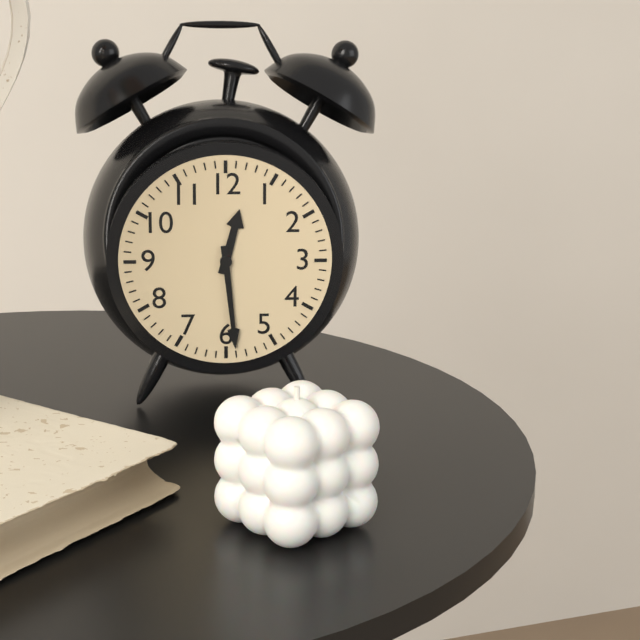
{"hour": 12, "minute": 29}
